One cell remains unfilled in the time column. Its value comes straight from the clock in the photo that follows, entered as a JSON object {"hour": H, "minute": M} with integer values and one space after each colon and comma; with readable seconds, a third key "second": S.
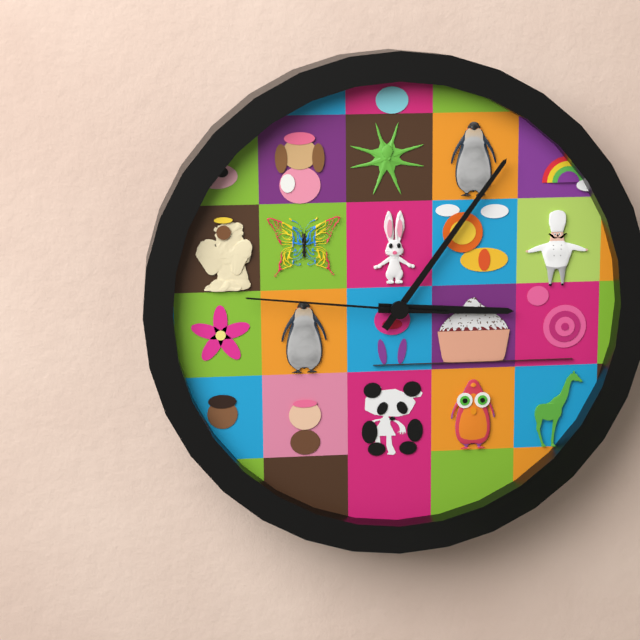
{"hour": 3, "minute": 6, "second": 46}
